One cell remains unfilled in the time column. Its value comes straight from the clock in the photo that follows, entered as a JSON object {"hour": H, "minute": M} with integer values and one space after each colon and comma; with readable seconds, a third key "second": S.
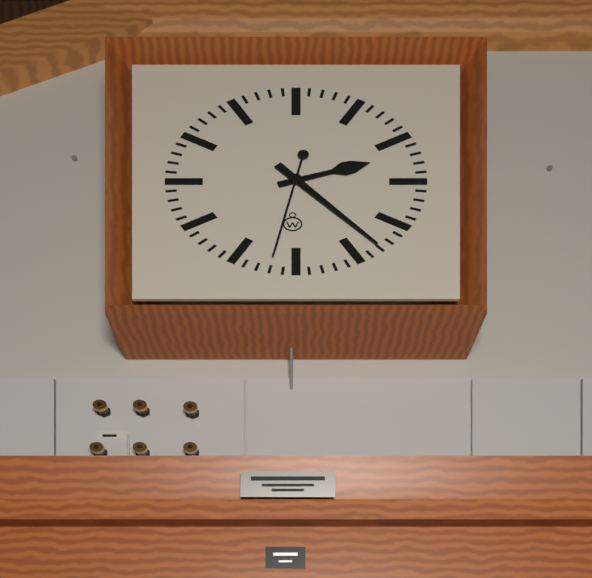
{"hour": 2, "minute": 23}
